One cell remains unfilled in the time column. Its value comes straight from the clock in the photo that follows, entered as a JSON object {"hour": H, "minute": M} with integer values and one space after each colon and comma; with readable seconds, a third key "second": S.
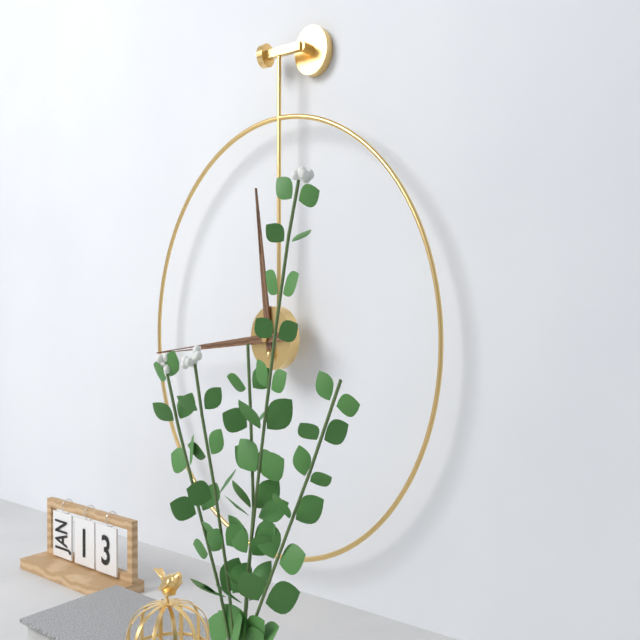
{"hour": 11, "minute": 44}
